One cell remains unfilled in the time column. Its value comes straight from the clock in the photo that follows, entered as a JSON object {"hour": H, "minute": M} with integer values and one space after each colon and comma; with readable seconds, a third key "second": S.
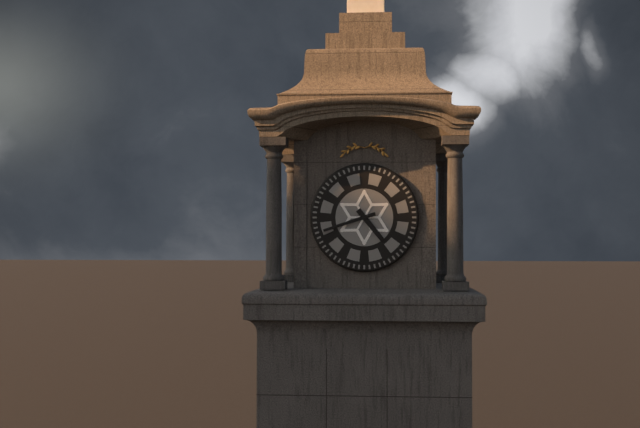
{"hour": 4, "minute": 42}
